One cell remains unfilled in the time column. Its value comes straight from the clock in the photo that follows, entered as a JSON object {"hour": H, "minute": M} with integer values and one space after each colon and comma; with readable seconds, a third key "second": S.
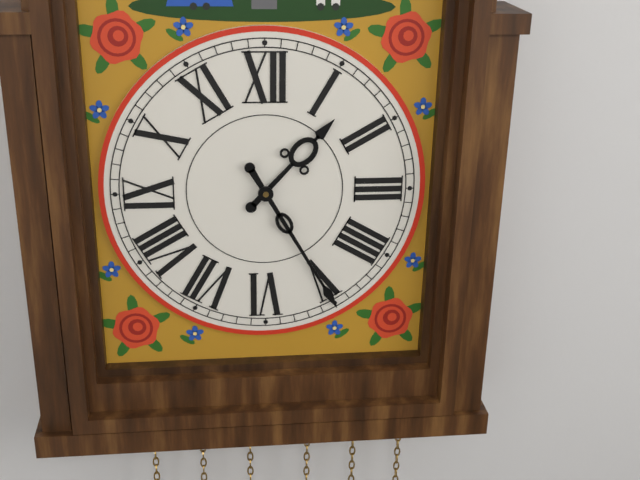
{"hour": 1, "minute": 25}
